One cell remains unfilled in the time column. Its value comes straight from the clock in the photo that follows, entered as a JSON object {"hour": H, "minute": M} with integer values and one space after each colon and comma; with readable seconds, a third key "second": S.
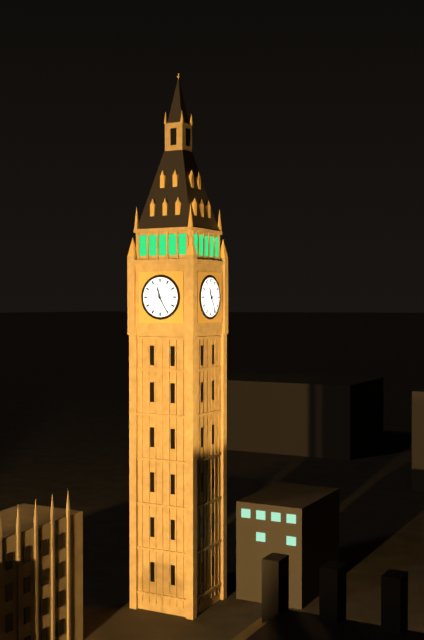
{"hour": 11, "minute": 25}
